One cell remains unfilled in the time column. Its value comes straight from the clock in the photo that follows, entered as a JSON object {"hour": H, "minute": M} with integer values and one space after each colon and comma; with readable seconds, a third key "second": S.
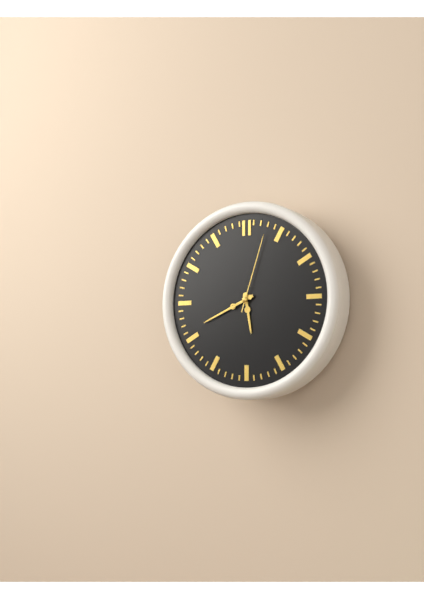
{"hour": 5, "minute": 41, "second": 3}
